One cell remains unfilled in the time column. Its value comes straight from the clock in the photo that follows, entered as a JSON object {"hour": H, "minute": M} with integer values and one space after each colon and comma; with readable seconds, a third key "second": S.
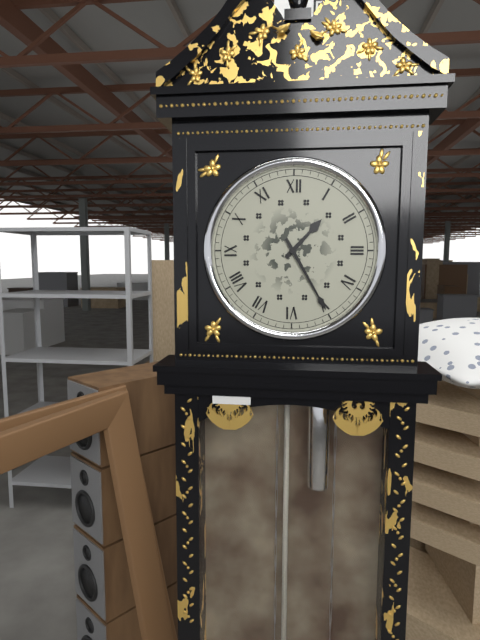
{"hour": 1, "minute": 25}
